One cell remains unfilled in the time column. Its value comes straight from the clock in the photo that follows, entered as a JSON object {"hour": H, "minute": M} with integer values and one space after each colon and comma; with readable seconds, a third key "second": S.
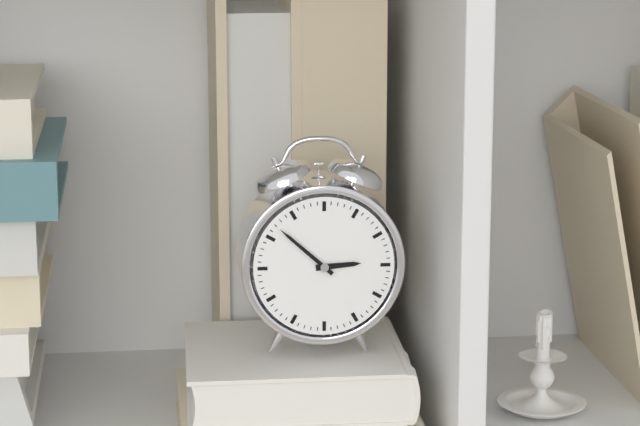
{"hour": 2, "minute": 52}
